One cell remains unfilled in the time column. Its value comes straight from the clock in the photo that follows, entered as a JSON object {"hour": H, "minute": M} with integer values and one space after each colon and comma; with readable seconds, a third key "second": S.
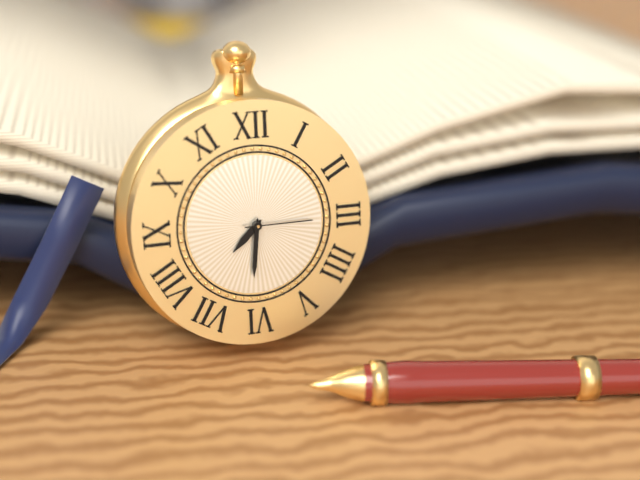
{"hour": 7, "minute": 31, "second": 15}
